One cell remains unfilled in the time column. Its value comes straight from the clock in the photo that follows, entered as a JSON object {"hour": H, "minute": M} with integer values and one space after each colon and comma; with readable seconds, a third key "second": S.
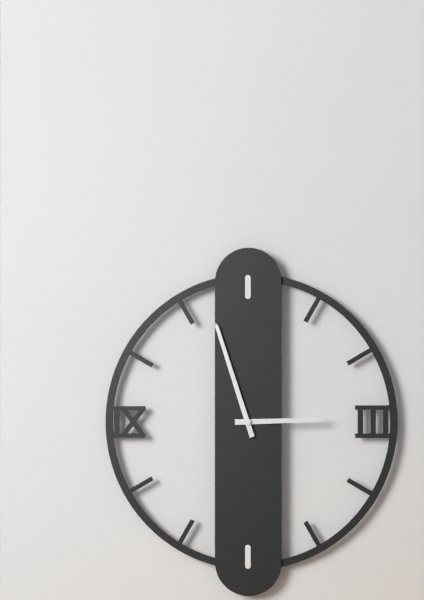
{"hour": 2, "minute": 57}
